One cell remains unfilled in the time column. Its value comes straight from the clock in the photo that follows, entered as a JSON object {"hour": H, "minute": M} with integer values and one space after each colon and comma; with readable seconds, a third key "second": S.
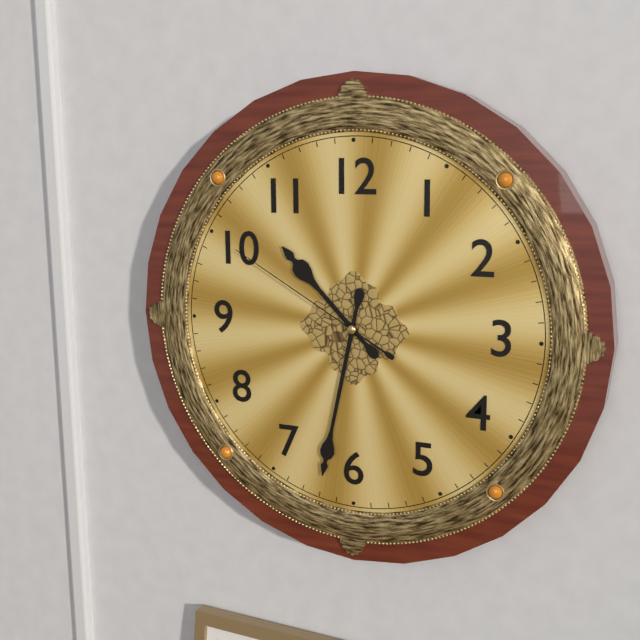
{"hour": 10, "minute": 32, "second": 50}
